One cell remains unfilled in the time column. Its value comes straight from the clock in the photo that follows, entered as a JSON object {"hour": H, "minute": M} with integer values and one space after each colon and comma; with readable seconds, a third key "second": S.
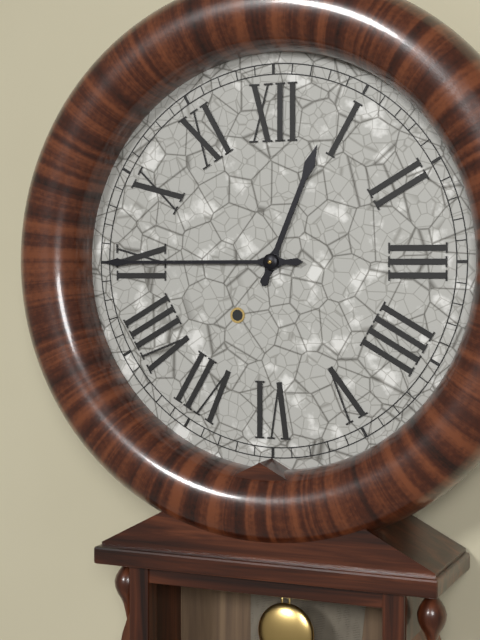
{"hour": 12, "minute": 45}
